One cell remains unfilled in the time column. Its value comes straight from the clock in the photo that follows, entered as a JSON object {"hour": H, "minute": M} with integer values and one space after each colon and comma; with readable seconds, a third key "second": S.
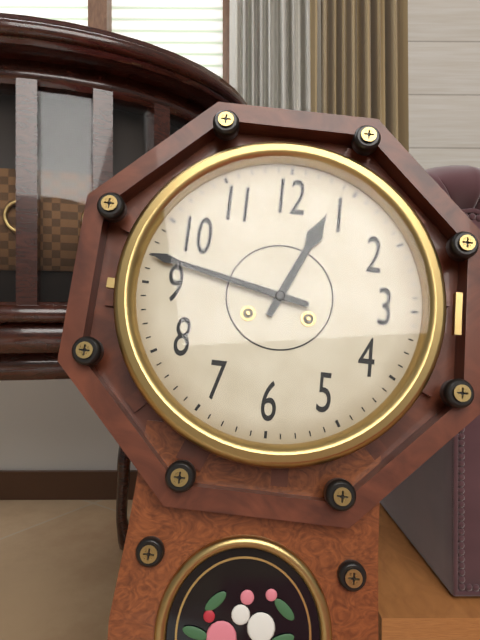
{"hour": 12, "minute": 47}
